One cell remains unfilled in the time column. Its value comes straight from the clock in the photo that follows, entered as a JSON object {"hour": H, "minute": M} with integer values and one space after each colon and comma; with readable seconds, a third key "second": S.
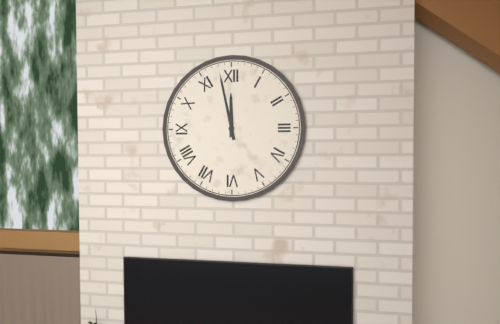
{"hour": 11, "minute": 58}
